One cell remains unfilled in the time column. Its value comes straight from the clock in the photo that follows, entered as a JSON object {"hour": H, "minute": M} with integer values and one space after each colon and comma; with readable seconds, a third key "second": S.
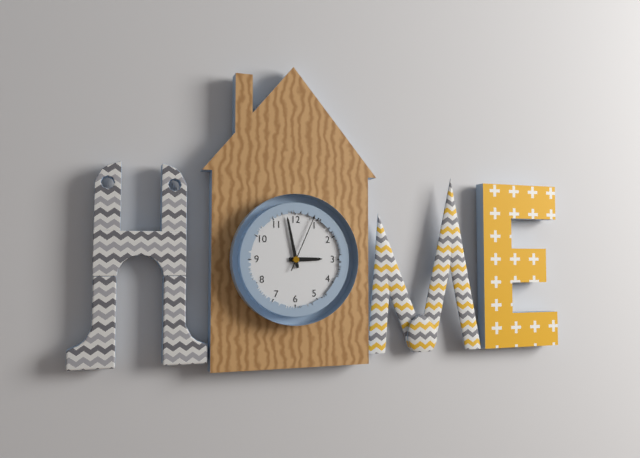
{"hour": 2, "minute": 58, "second": 4}
